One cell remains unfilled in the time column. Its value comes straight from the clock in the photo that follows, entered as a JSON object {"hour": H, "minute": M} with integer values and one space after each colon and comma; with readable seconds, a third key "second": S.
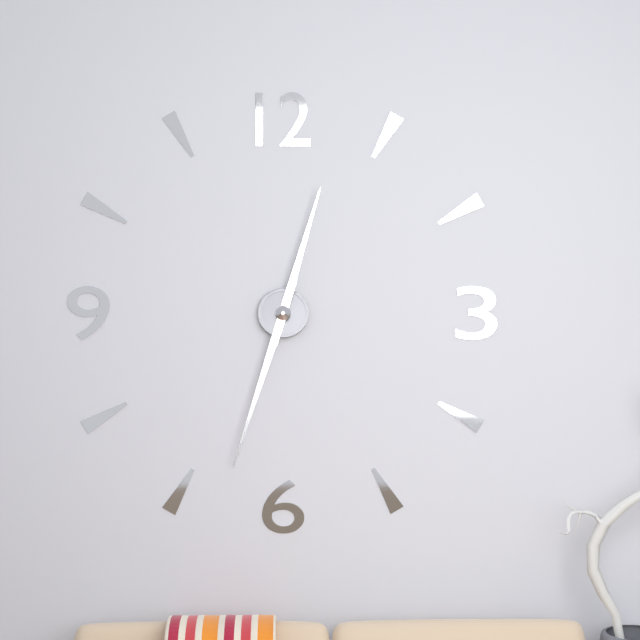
{"hour": 12, "minute": 33}
